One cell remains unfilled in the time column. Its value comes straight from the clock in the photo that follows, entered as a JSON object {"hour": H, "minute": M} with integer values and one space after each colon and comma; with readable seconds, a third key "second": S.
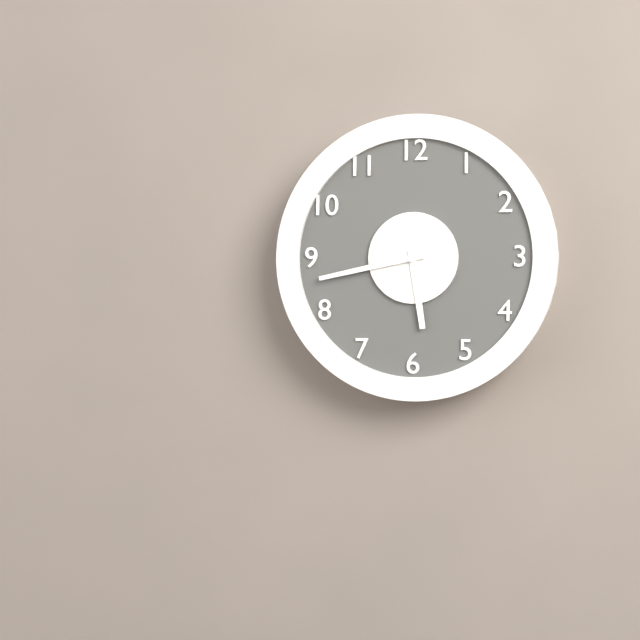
{"hour": 5, "minute": 43}
